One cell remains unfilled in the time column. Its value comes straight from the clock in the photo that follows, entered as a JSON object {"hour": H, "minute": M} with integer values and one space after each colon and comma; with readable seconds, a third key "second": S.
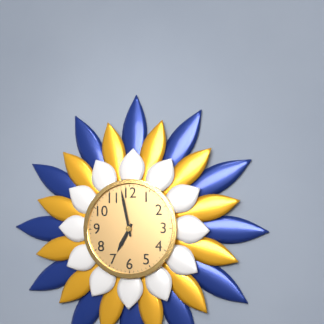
{"hour": 6, "minute": 58}
